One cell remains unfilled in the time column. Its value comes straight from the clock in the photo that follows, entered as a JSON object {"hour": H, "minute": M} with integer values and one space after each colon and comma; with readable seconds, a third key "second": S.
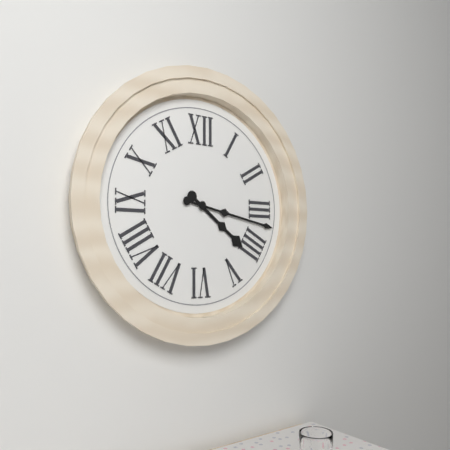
{"hour": 4, "minute": 17}
